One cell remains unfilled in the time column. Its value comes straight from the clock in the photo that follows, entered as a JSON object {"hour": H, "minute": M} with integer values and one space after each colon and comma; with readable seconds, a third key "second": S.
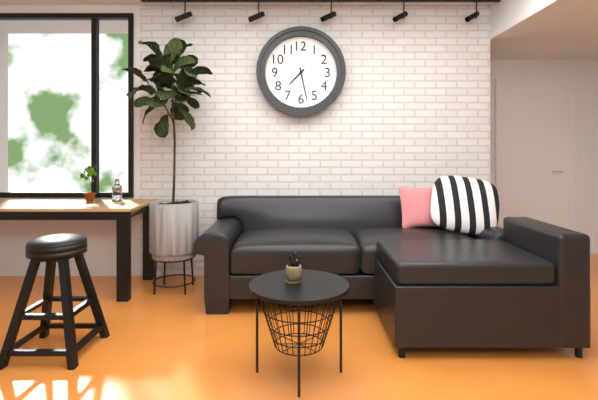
{"hour": 7, "minute": 28}
